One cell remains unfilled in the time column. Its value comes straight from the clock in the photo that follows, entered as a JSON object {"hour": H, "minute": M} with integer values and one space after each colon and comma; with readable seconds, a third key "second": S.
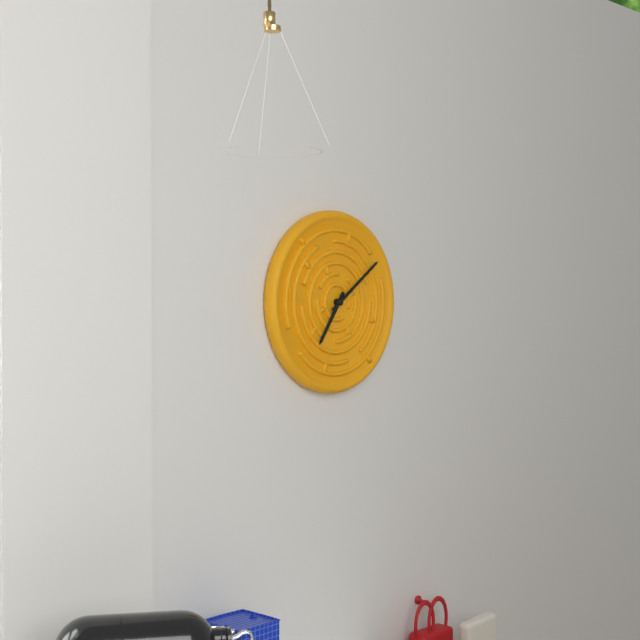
{"hour": 7, "minute": 9}
